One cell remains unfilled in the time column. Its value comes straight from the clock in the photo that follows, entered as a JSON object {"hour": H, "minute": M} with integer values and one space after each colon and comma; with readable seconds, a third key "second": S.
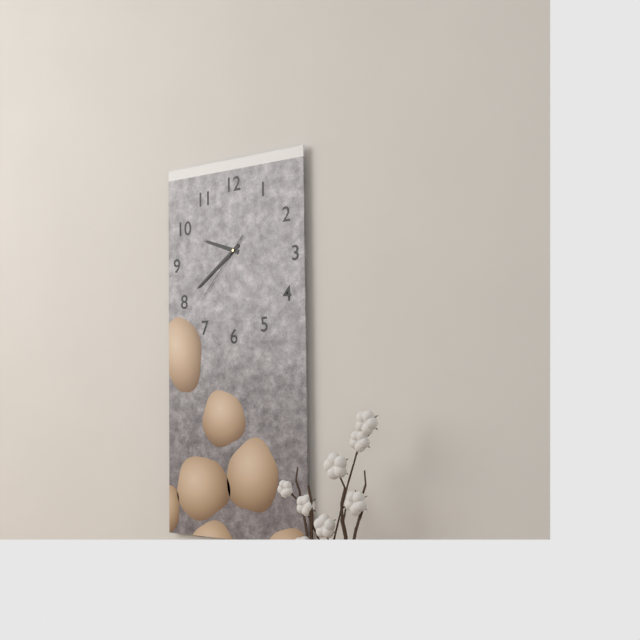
{"hour": 9, "minute": 39, "second": 37}
